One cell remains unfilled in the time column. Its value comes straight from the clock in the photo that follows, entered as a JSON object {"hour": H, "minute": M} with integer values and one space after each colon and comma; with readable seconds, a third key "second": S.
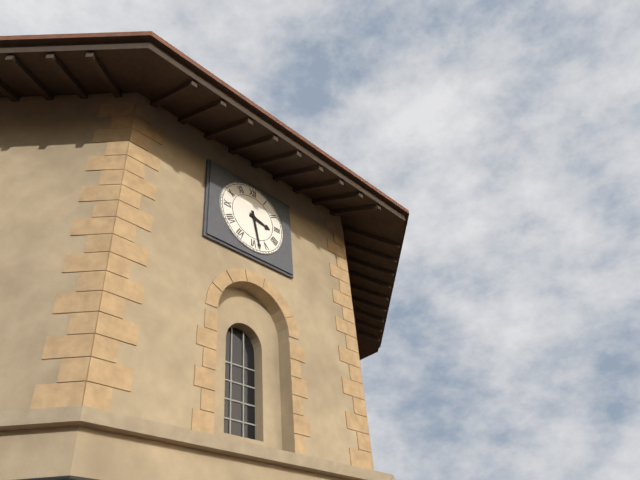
{"hour": 3, "minute": 28}
